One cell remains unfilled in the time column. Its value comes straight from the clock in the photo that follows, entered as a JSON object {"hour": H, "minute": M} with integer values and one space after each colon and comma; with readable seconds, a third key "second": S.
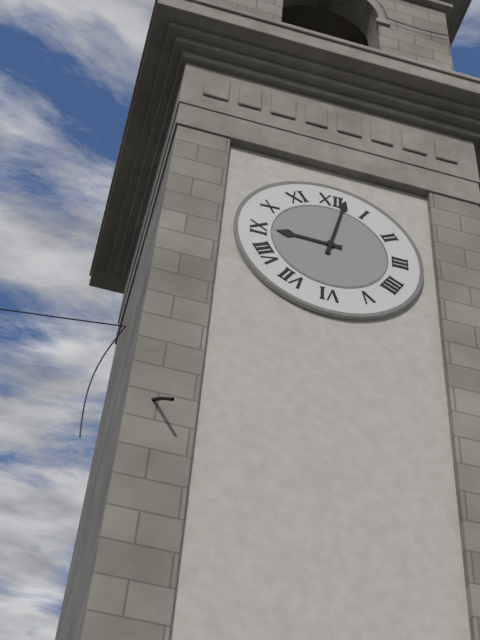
{"hour": 9, "minute": 2}
